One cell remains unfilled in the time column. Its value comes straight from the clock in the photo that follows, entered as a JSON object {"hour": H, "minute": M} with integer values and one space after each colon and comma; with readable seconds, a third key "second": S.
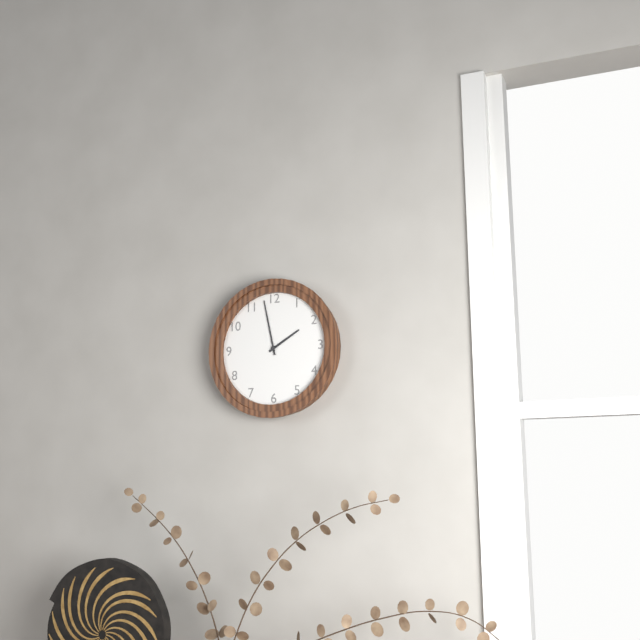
{"hour": 1, "minute": 58}
